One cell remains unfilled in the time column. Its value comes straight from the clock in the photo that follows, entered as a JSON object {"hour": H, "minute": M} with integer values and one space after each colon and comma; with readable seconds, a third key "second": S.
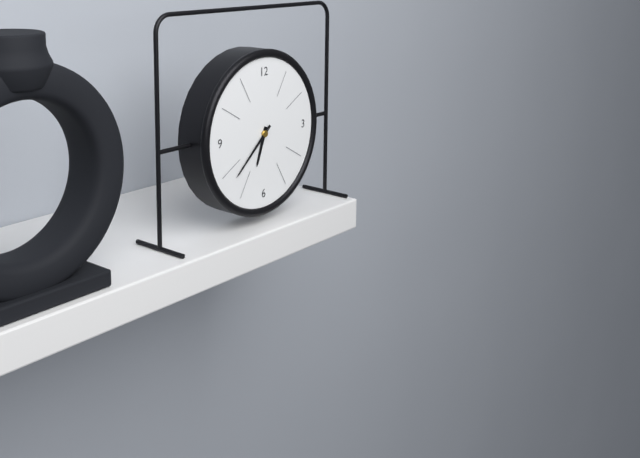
{"hour": 6, "minute": 38}
